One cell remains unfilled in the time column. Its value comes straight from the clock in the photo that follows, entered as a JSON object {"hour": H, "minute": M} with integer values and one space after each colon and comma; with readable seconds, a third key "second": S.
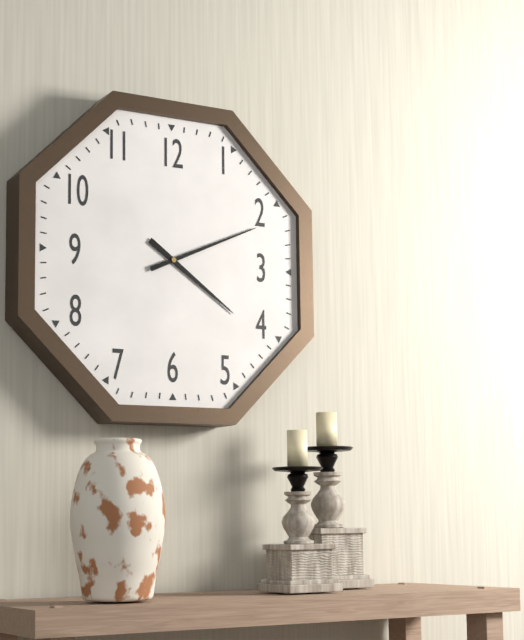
{"hour": 4, "minute": 11}
